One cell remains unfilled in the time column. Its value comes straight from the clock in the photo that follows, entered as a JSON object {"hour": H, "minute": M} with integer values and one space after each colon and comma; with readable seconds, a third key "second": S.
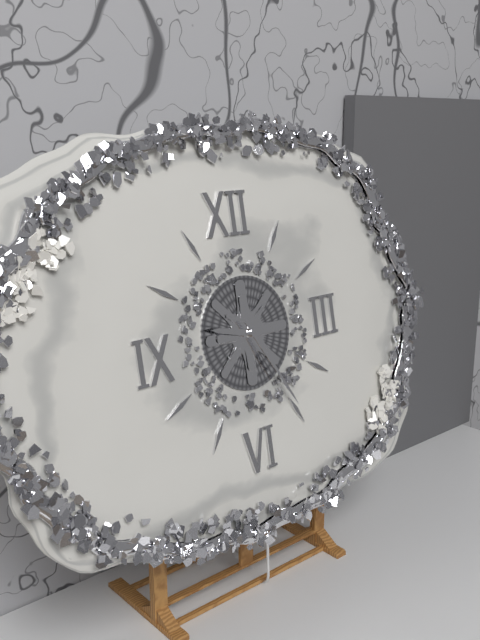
{"hour": 9, "minute": 25}
